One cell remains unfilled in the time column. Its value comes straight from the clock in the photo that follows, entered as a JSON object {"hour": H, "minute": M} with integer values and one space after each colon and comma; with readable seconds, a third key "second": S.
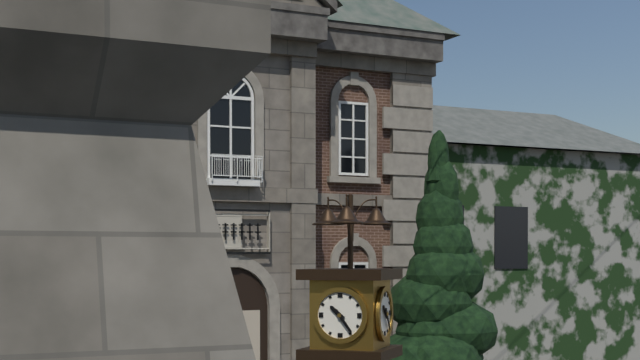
{"hour": 10, "minute": 24}
